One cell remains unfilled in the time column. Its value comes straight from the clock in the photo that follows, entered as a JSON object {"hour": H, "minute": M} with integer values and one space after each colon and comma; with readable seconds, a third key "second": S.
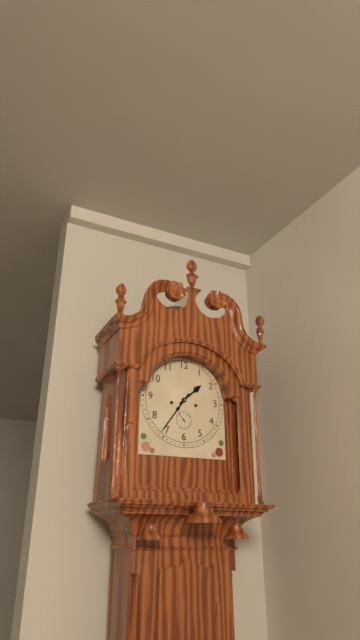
{"hour": 1, "minute": 36}
